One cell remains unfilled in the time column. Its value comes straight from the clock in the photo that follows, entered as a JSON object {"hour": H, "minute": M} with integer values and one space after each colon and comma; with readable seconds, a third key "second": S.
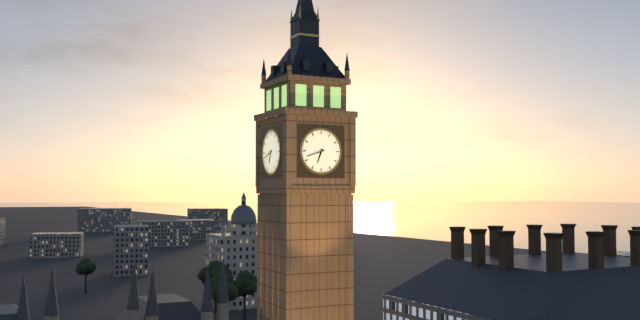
{"hour": 6, "minute": 42}
